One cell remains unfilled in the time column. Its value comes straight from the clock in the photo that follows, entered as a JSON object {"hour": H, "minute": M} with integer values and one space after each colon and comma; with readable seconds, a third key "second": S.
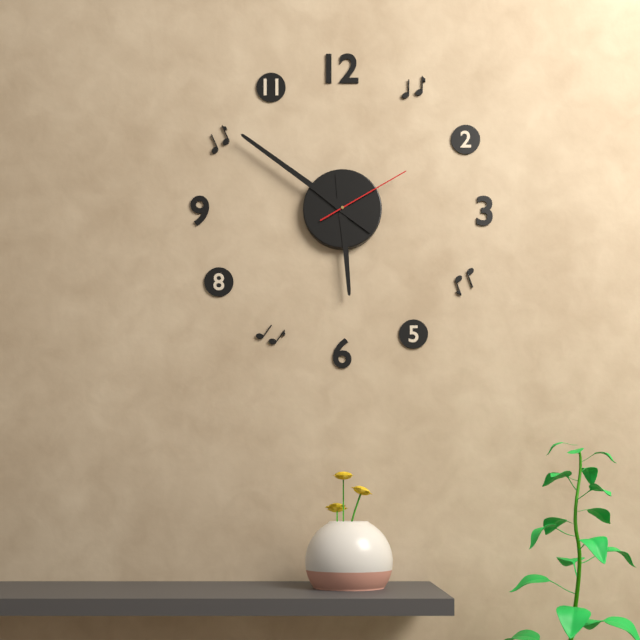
{"hour": 5, "minute": 51, "second": 10}
